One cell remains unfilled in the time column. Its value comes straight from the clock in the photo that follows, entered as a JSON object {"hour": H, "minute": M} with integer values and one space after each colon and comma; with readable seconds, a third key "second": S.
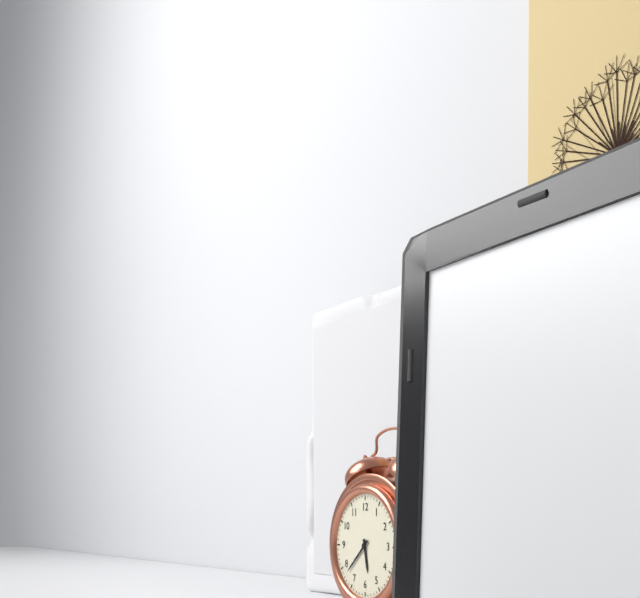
{"hour": 5, "minute": 38}
